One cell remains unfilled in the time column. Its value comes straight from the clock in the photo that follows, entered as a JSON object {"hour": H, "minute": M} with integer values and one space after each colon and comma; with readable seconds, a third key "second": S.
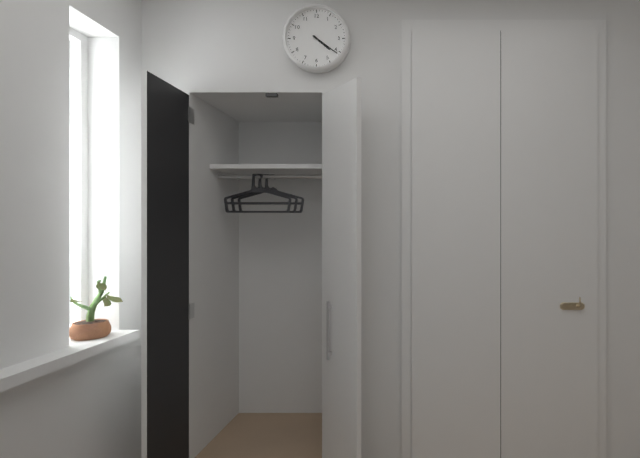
{"hour": 4, "minute": 21}
